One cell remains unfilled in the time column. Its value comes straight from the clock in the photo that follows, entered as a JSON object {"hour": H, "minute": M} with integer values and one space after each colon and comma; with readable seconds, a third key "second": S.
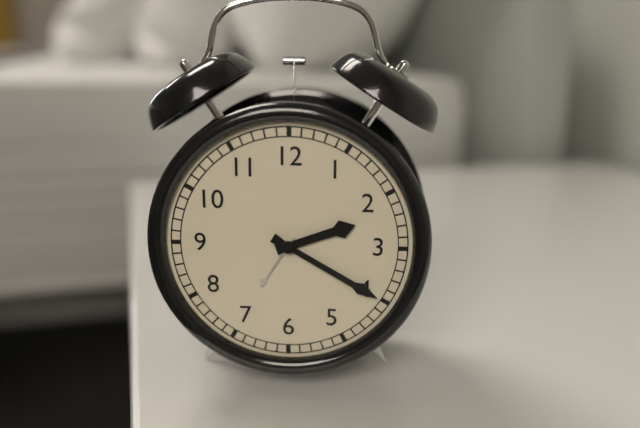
{"hour": 2, "minute": 20}
